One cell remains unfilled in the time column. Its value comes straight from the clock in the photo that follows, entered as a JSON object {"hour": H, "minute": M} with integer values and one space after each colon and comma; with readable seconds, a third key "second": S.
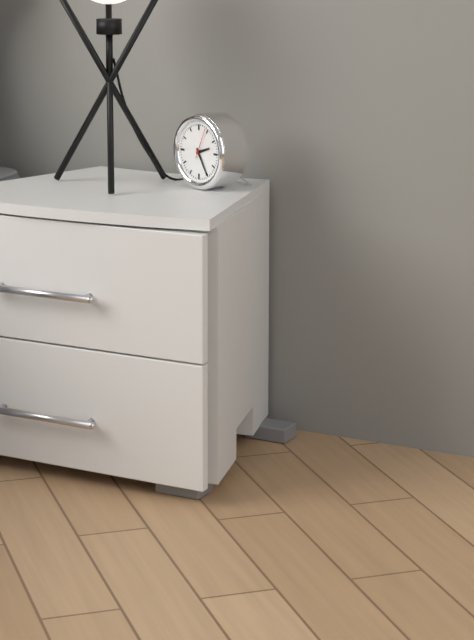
{"hour": 2, "minute": 25}
